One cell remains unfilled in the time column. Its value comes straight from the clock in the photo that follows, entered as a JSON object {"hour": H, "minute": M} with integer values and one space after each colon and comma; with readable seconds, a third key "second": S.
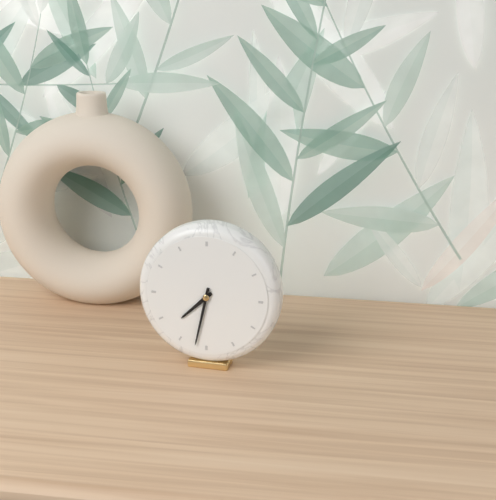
{"hour": 7, "minute": 32}
